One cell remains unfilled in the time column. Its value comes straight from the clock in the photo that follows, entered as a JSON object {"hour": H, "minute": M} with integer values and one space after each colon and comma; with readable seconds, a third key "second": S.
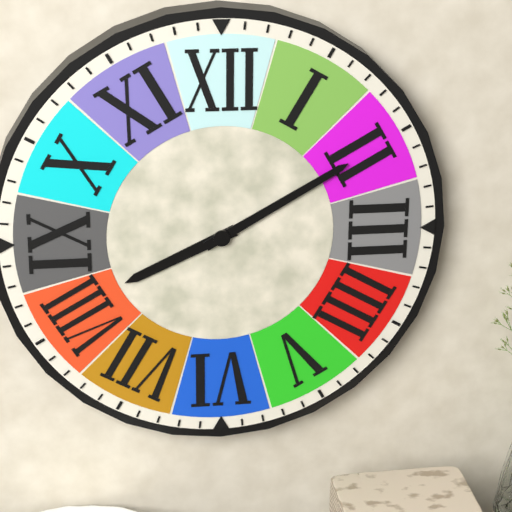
{"hour": 8, "minute": 10}
